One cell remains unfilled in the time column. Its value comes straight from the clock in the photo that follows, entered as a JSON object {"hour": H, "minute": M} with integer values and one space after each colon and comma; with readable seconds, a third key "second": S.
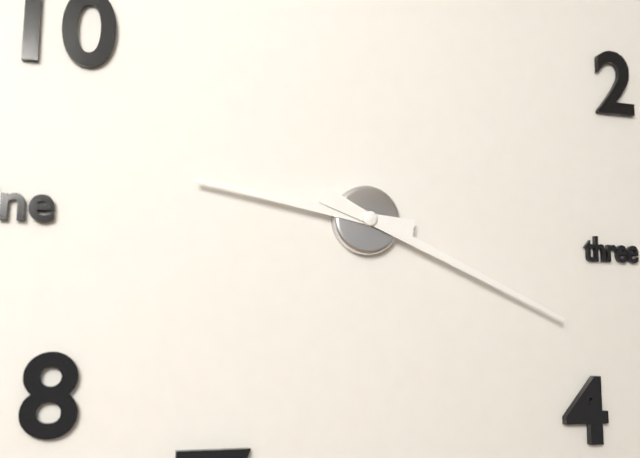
{"hour": 9, "minute": 19}
